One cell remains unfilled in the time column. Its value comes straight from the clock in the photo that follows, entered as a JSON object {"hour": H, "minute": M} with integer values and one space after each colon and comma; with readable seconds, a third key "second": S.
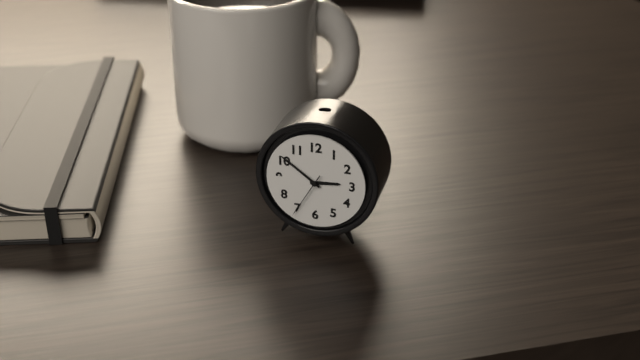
{"hour": 2, "minute": 51}
